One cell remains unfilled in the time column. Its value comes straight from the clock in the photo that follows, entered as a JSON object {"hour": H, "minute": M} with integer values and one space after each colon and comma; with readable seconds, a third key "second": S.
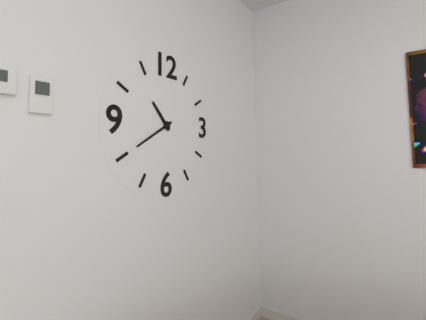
{"hour": 10, "minute": 40}
